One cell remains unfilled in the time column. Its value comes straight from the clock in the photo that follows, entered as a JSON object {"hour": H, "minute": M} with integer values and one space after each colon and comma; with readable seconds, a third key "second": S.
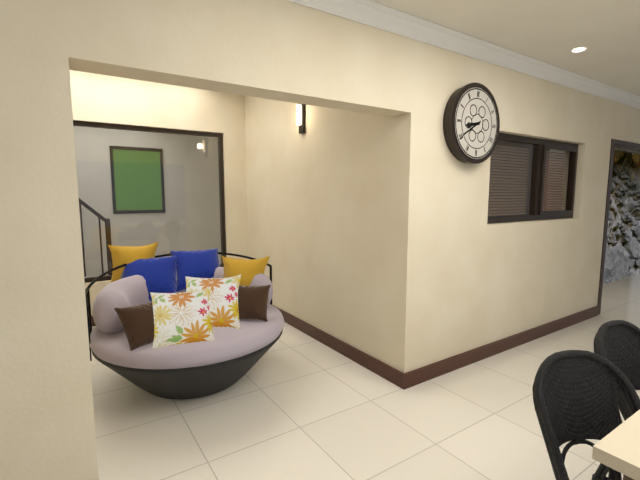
{"hour": 8, "minute": 40}
